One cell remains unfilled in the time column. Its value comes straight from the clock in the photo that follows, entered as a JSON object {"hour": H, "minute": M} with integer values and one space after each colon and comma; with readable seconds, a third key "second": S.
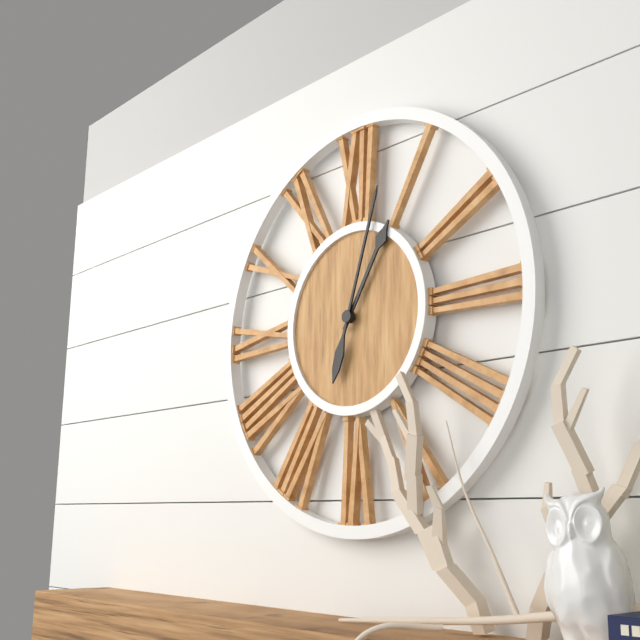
{"hour": 1, "minute": 3}
